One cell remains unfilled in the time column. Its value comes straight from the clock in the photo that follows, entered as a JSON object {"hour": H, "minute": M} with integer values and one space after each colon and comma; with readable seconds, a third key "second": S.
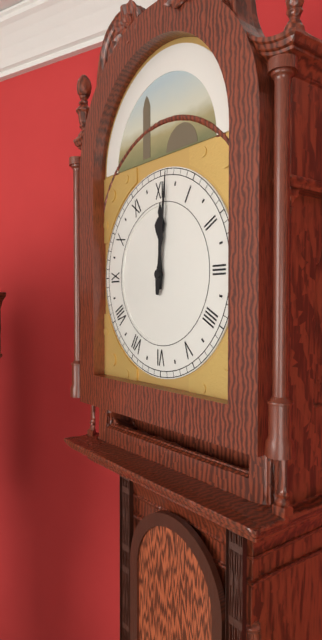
{"hour": 12, "minute": 1}
